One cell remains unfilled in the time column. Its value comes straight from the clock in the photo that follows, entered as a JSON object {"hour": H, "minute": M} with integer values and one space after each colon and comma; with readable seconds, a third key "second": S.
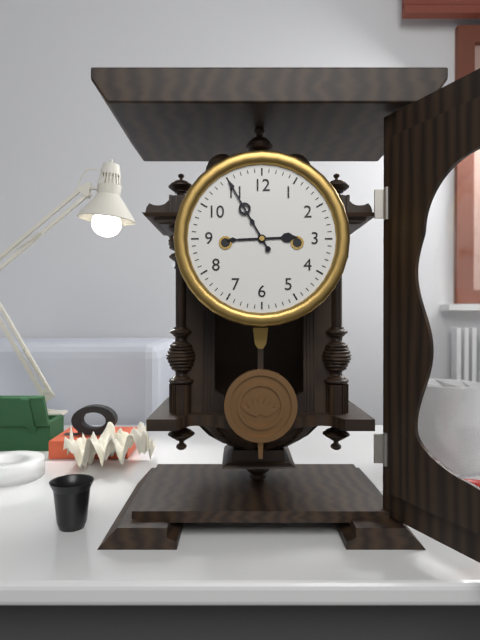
{"hour": 2, "minute": 55}
